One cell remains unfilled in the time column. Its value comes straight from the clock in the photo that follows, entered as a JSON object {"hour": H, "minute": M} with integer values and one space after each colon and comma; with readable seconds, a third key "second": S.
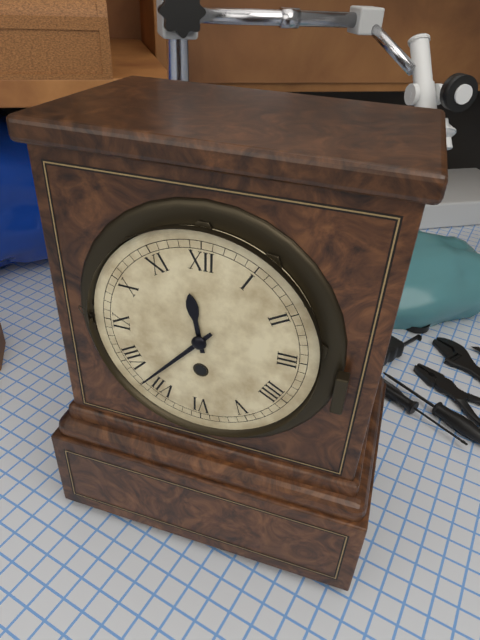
{"hour": 11, "minute": 37}
